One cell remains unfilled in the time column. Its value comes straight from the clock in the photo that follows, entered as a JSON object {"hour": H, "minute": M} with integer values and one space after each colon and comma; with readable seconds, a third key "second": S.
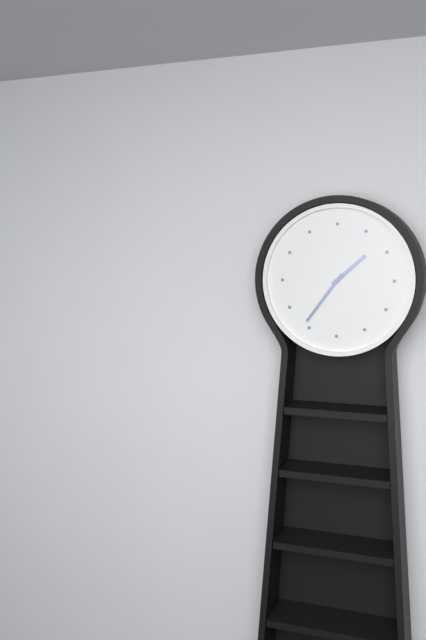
{"hour": 1, "minute": 36}
